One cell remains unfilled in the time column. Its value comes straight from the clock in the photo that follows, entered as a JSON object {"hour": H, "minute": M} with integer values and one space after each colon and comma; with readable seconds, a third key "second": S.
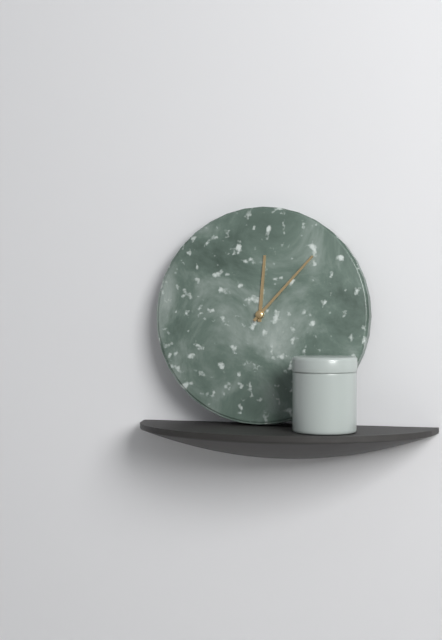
{"hour": 12, "minute": 7}
